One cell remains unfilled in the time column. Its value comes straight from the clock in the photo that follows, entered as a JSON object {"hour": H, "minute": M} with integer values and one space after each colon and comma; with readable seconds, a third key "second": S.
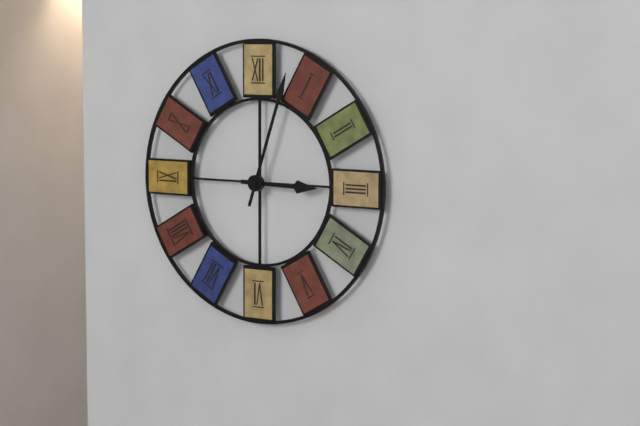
{"hour": 3, "minute": 3}
